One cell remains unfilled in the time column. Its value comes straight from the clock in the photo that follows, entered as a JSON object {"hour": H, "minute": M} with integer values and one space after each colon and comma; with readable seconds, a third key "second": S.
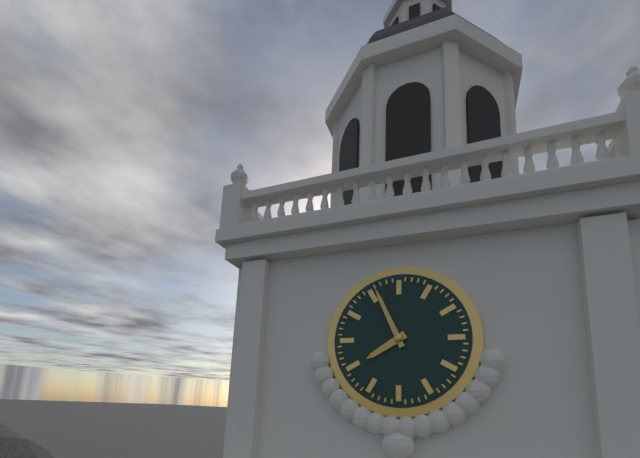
{"hour": 7, "minute": 56}
